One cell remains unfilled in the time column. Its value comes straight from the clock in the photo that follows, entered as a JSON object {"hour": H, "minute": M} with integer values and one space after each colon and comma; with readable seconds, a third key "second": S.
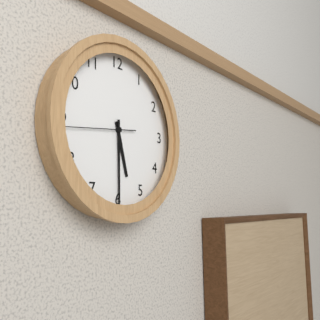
{"hour": 5, "minute": 30, "second": 44}
